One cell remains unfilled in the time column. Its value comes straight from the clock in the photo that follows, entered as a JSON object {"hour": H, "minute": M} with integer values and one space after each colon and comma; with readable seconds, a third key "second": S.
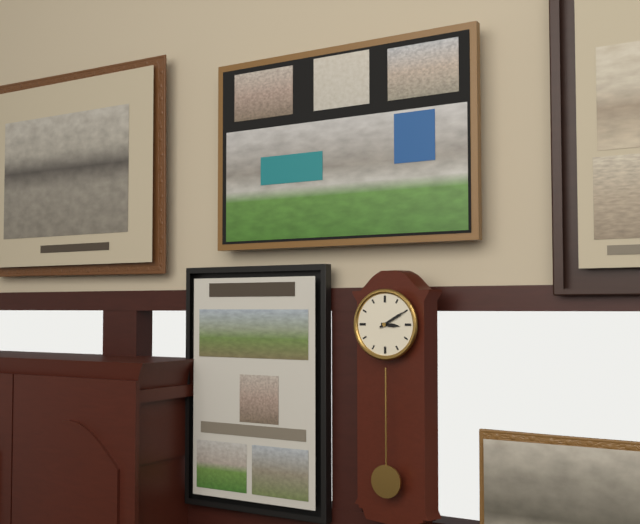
{"hour": 3, "minute": 10}
